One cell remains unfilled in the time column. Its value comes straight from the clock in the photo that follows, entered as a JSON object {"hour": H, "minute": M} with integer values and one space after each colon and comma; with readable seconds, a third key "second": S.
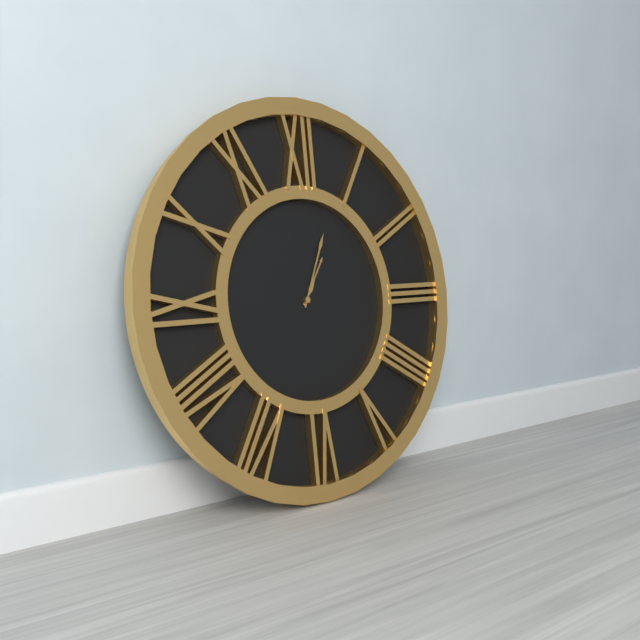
{"hour": 1, "minute": 4}
